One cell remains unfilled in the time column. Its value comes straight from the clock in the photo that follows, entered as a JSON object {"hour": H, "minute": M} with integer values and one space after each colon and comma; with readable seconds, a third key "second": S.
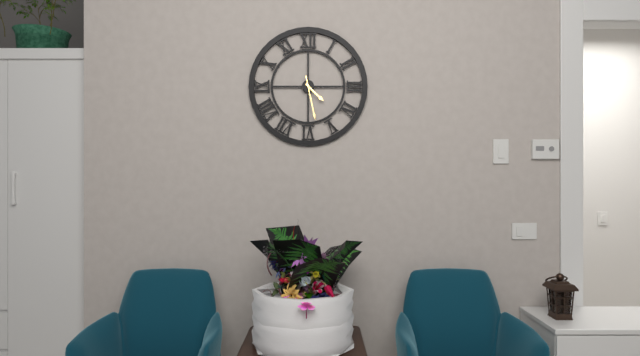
{"hour": 4, "minute": 28}
